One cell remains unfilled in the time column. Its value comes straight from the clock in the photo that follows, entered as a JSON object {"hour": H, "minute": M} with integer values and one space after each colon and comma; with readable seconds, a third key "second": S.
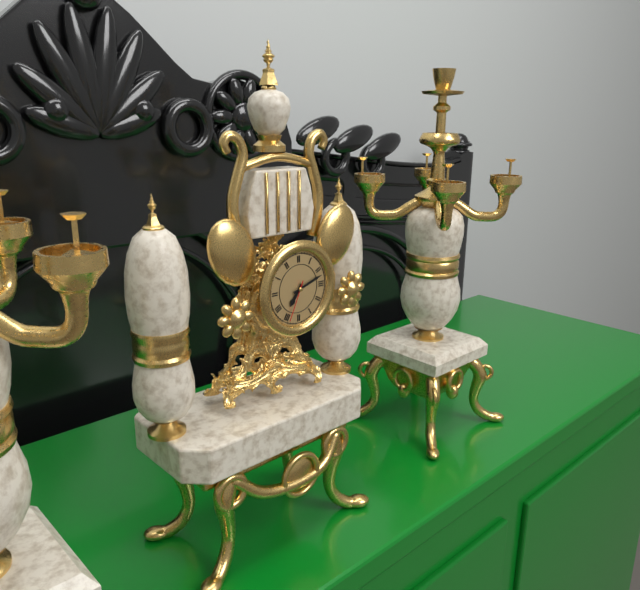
{"hour": 7, "minute": 12}
